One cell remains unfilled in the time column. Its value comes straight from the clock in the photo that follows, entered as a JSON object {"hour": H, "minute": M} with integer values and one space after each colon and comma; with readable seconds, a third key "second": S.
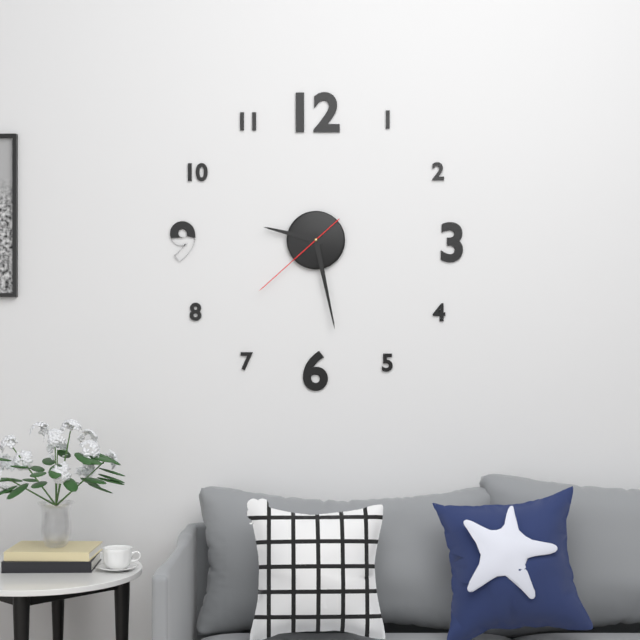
{"hour": 9, "minute": 28, "second": 38}
